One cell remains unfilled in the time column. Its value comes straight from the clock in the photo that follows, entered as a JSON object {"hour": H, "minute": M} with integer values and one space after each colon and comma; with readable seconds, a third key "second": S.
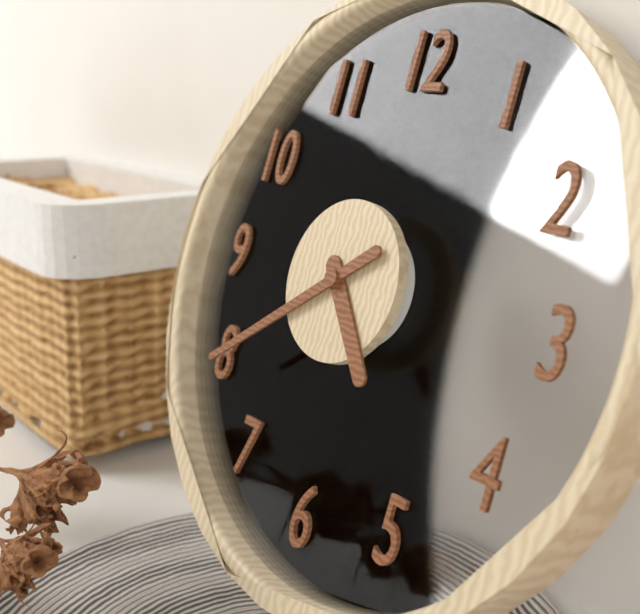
{"hour": 4, "minute": 39}
